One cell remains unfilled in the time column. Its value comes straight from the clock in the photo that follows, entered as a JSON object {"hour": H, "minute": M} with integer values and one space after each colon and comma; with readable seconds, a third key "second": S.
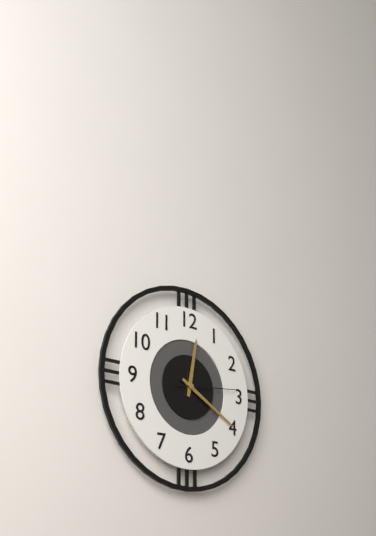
{"hour": 12, "minute": 20, "second": 14}
